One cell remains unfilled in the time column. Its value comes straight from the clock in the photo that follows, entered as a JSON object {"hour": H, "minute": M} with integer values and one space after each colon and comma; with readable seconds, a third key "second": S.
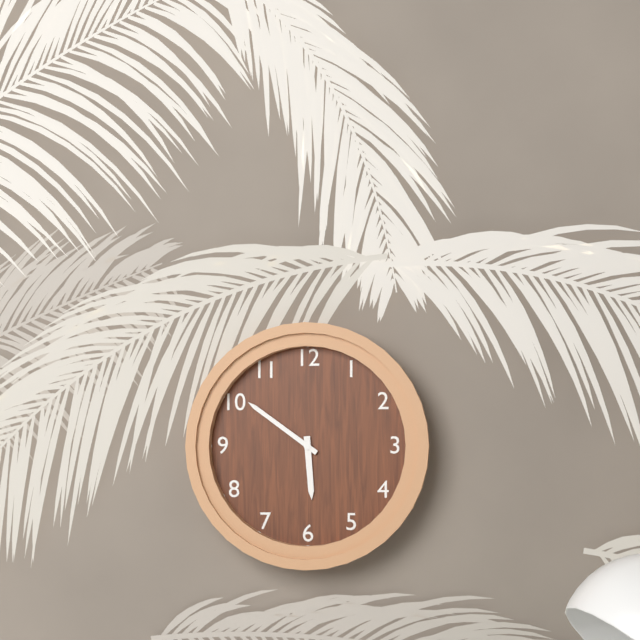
{"hour": 5, "minute": 51}
